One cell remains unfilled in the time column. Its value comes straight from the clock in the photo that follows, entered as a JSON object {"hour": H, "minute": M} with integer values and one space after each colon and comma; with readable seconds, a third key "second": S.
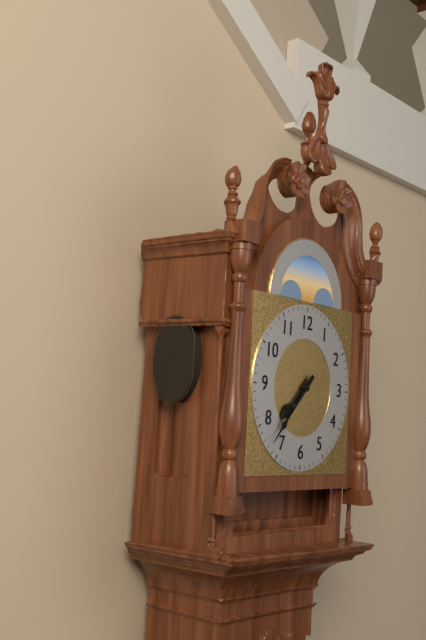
{"hour": 7, "minute": 37}
